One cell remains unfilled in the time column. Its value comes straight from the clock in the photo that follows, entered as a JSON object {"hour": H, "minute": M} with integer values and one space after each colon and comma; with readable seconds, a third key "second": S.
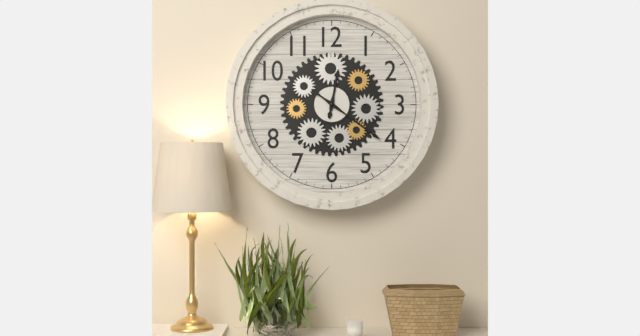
{"hour": 12, "minute": 21}
